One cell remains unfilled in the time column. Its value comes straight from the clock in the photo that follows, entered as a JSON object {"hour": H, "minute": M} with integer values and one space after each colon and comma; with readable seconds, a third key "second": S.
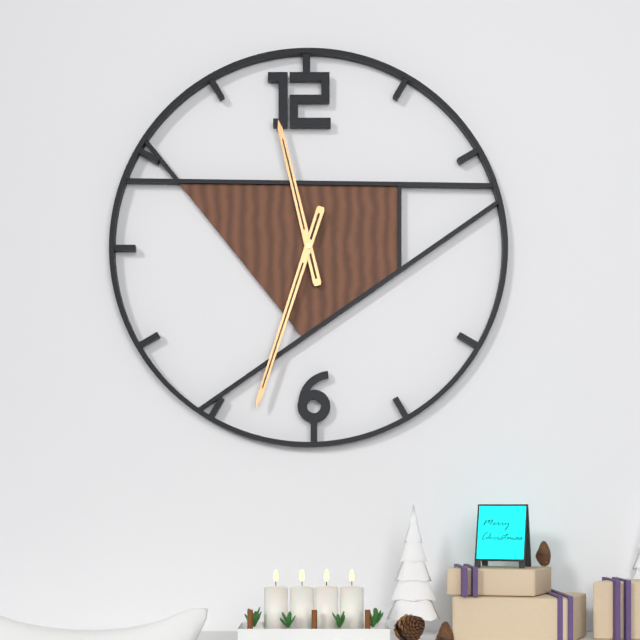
{"hour": 11, "minute": 33}
